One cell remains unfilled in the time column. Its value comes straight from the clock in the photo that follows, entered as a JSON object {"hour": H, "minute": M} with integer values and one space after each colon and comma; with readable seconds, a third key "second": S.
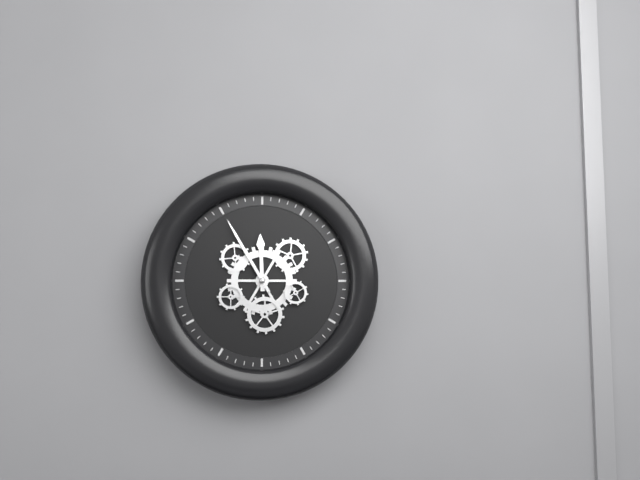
{"hour": 11, "minute": 55}
